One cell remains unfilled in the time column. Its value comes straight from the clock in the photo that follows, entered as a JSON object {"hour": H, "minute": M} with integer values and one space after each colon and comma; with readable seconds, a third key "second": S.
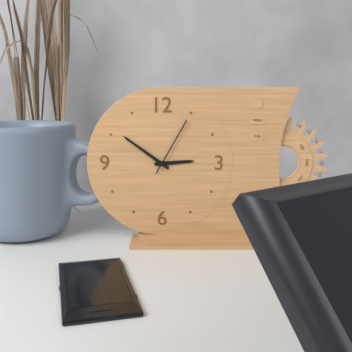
{"hour": 2, "minute": 51, "second": 5}
